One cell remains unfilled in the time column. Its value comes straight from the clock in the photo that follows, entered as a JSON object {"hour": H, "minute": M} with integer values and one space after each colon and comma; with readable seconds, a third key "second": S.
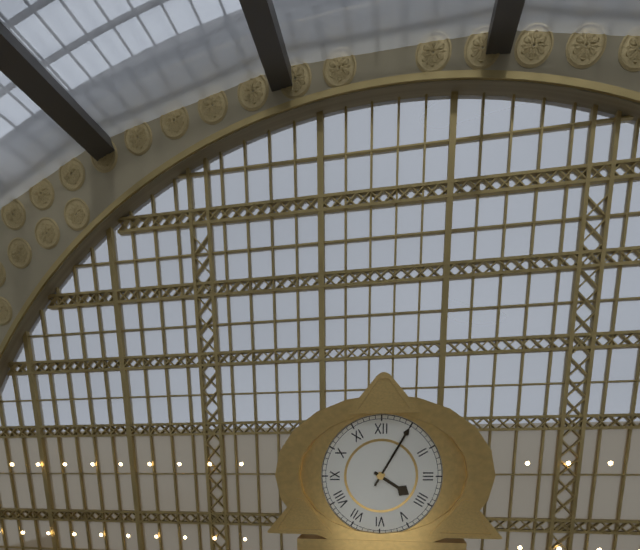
{"hour": 4, "minute": 5}
